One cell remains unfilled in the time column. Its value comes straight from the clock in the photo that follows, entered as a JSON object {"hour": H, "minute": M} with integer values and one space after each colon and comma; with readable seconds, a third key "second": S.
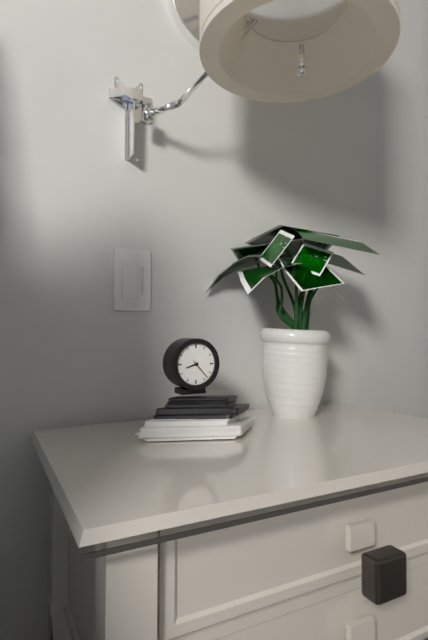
{"hour": 8, "minute": 23}
